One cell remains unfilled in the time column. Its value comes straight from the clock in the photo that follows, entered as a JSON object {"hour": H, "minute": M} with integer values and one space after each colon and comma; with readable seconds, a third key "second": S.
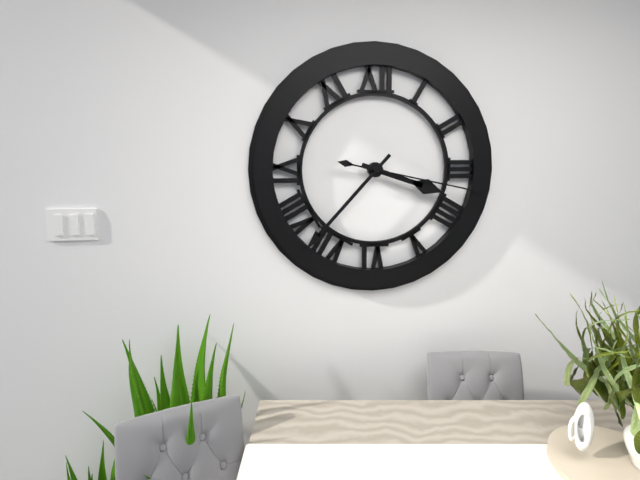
{"hour": 3, "minute": 37, "second": 17}
